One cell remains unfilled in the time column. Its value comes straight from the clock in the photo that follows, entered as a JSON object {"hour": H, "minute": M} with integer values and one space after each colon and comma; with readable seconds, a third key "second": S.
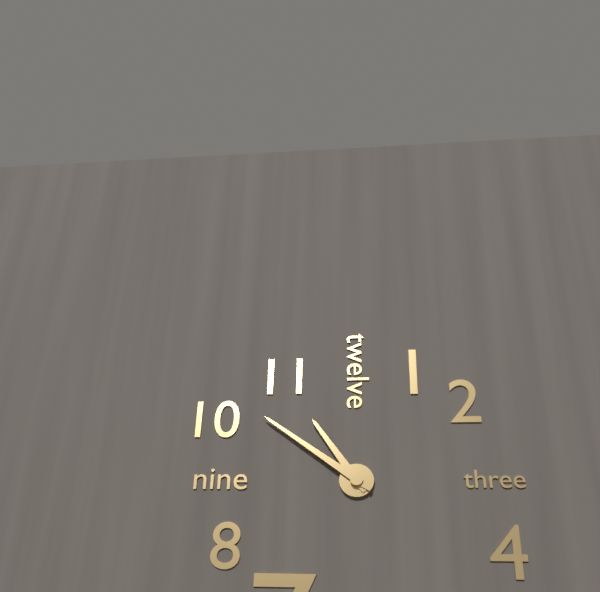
{"hour": 10, "minute": 51}
